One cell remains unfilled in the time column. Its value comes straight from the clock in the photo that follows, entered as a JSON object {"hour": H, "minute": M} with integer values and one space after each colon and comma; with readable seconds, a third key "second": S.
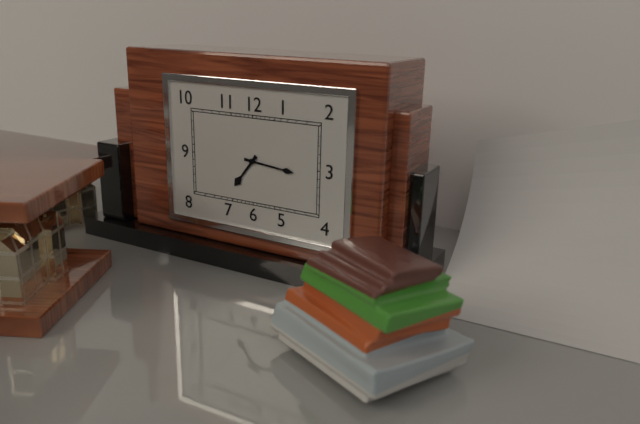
{"hour": 7, "minute": 16}
